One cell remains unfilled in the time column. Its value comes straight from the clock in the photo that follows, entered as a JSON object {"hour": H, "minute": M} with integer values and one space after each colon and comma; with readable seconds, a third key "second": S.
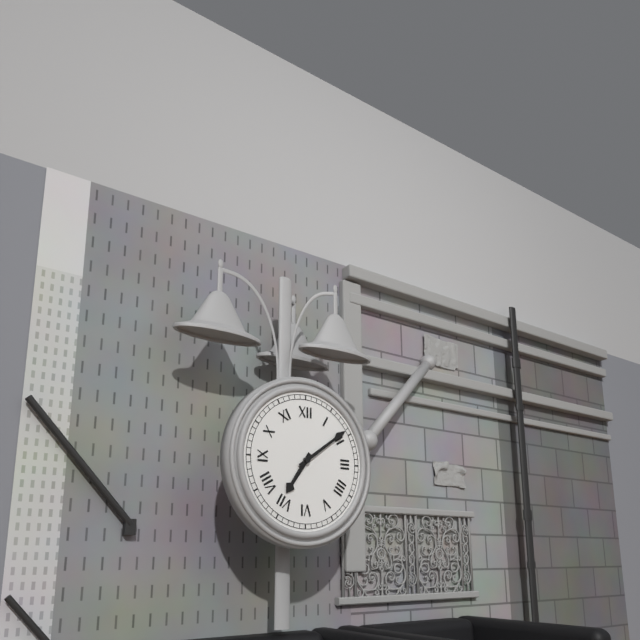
{"hour": 7, "minute": 9}
